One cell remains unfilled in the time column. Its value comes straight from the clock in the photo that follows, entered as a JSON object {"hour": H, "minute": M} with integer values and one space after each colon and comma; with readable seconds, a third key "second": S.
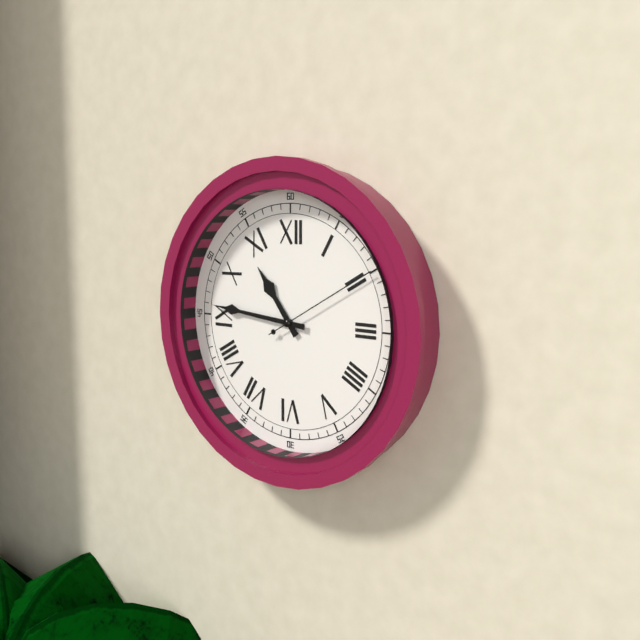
{"hour": 10, "minute": 46, "second": 10}
